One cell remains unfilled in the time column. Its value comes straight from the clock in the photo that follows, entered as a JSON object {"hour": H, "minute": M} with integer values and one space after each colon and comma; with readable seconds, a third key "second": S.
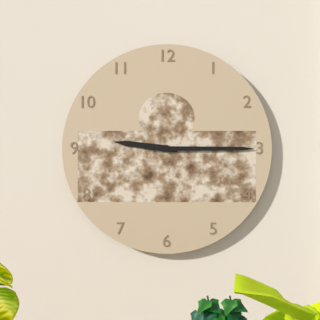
{"hour": 9, "minute": 15}
